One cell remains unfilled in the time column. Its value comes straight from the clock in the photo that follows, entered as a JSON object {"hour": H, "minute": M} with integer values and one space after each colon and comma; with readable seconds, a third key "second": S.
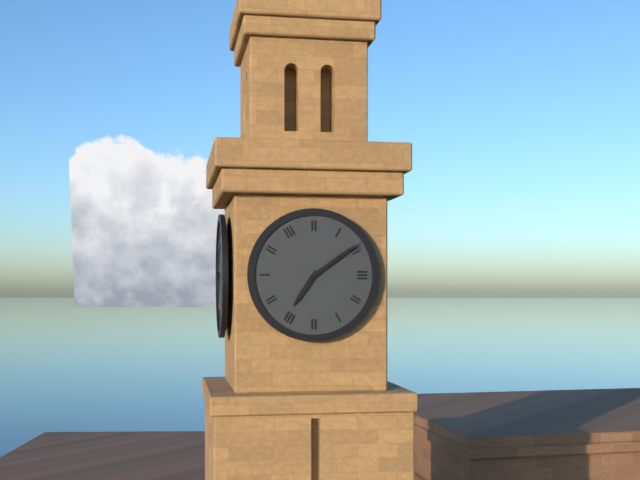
{"hour": 7, "minute": 9}
